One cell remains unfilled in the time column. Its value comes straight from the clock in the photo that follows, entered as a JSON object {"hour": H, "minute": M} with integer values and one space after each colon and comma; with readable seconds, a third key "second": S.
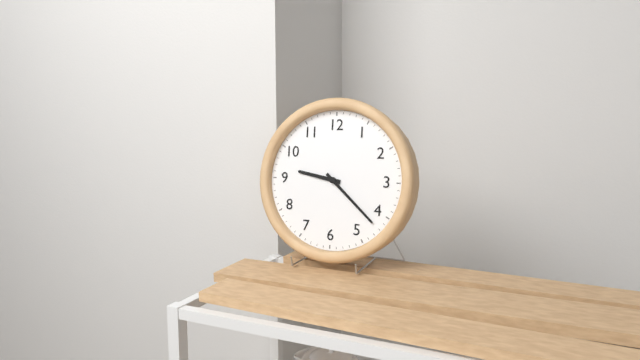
{"hour": 9, "minute": 22}
